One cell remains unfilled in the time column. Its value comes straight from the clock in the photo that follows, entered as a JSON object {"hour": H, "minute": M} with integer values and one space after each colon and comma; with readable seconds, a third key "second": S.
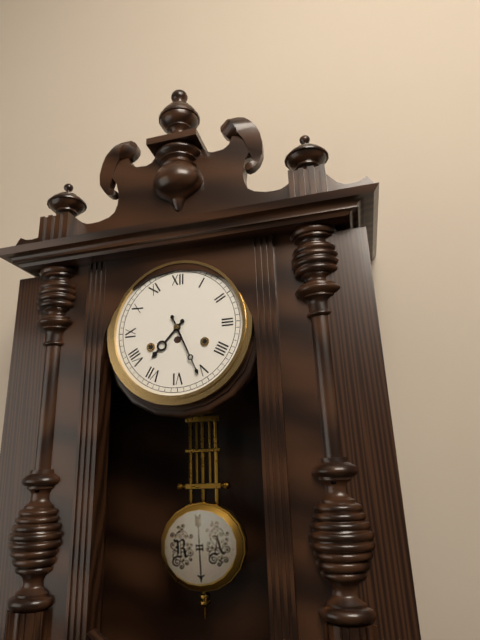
{"hour": 7, "minute": 26}
